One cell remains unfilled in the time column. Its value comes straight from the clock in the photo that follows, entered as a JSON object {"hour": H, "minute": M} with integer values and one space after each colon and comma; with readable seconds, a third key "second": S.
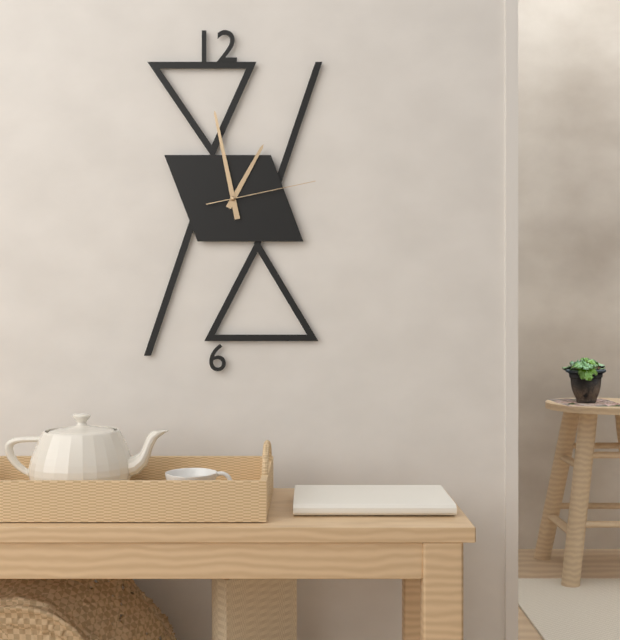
{"hour": 12, "minute": 58, "second": 13}
